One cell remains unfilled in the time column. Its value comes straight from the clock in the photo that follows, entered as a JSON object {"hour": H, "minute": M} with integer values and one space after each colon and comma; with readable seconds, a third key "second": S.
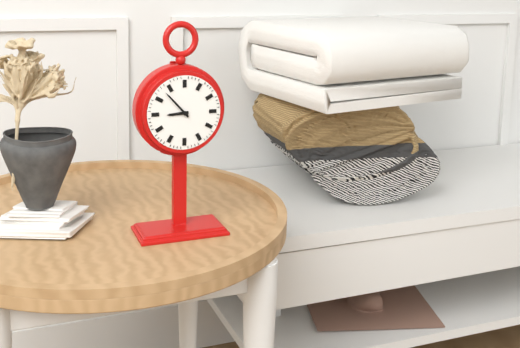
{"hour": 8, "minute": 53}
